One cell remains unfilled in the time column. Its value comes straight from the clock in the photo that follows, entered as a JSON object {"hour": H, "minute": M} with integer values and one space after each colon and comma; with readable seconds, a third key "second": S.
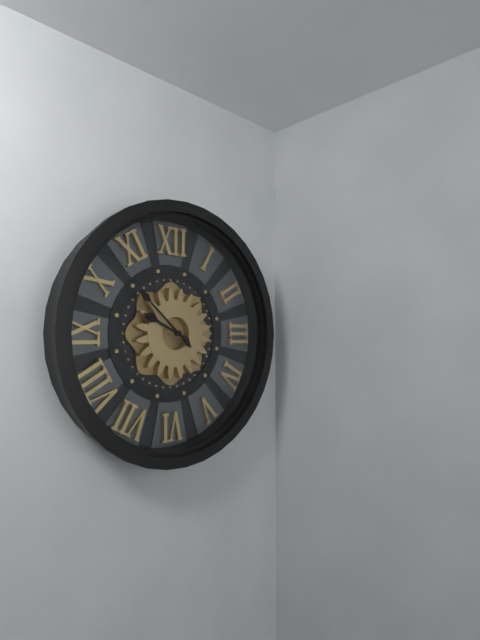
{"hour": 9, "minute": 52}
